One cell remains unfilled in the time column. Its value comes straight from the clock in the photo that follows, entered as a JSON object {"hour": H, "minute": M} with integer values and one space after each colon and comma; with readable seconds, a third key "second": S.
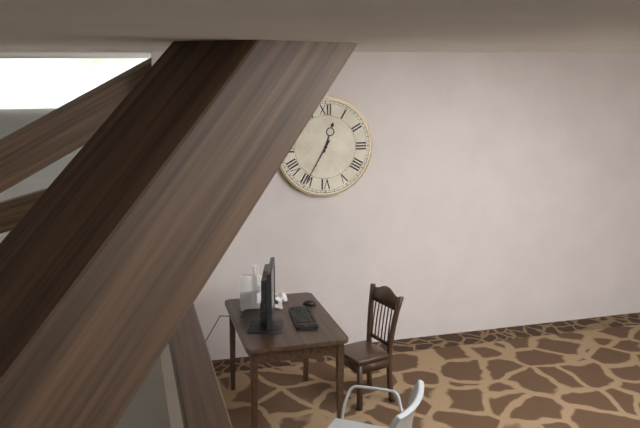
{"hour": 12, "minute": 35}
